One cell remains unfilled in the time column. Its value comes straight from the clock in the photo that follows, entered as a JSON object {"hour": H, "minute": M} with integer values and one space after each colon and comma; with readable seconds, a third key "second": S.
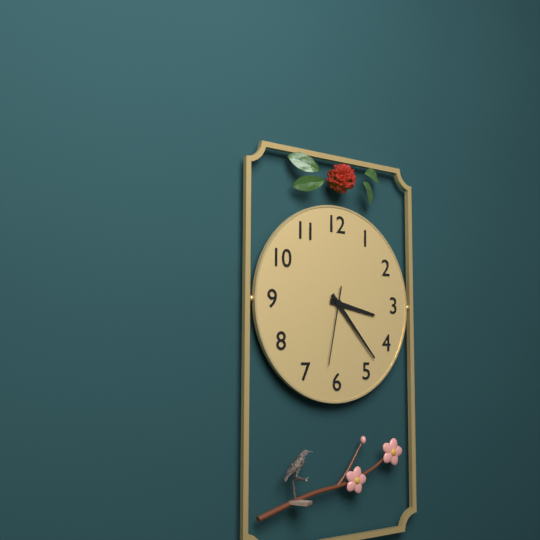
{"hour": 3, "minute": 23, "second": 32}
